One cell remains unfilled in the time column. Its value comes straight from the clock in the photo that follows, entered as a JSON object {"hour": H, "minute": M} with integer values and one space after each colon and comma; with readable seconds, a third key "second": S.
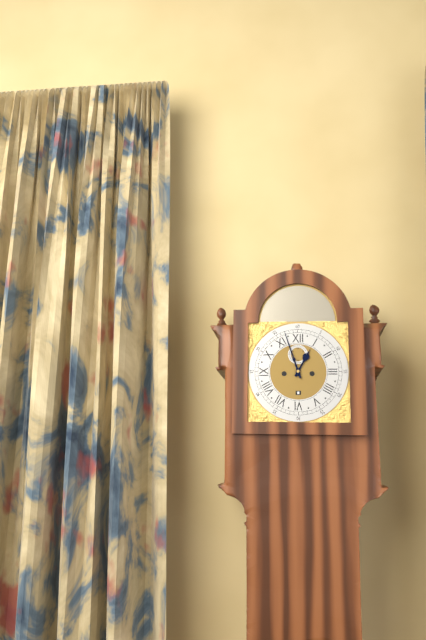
{"hour": 12, "minute": 57}
